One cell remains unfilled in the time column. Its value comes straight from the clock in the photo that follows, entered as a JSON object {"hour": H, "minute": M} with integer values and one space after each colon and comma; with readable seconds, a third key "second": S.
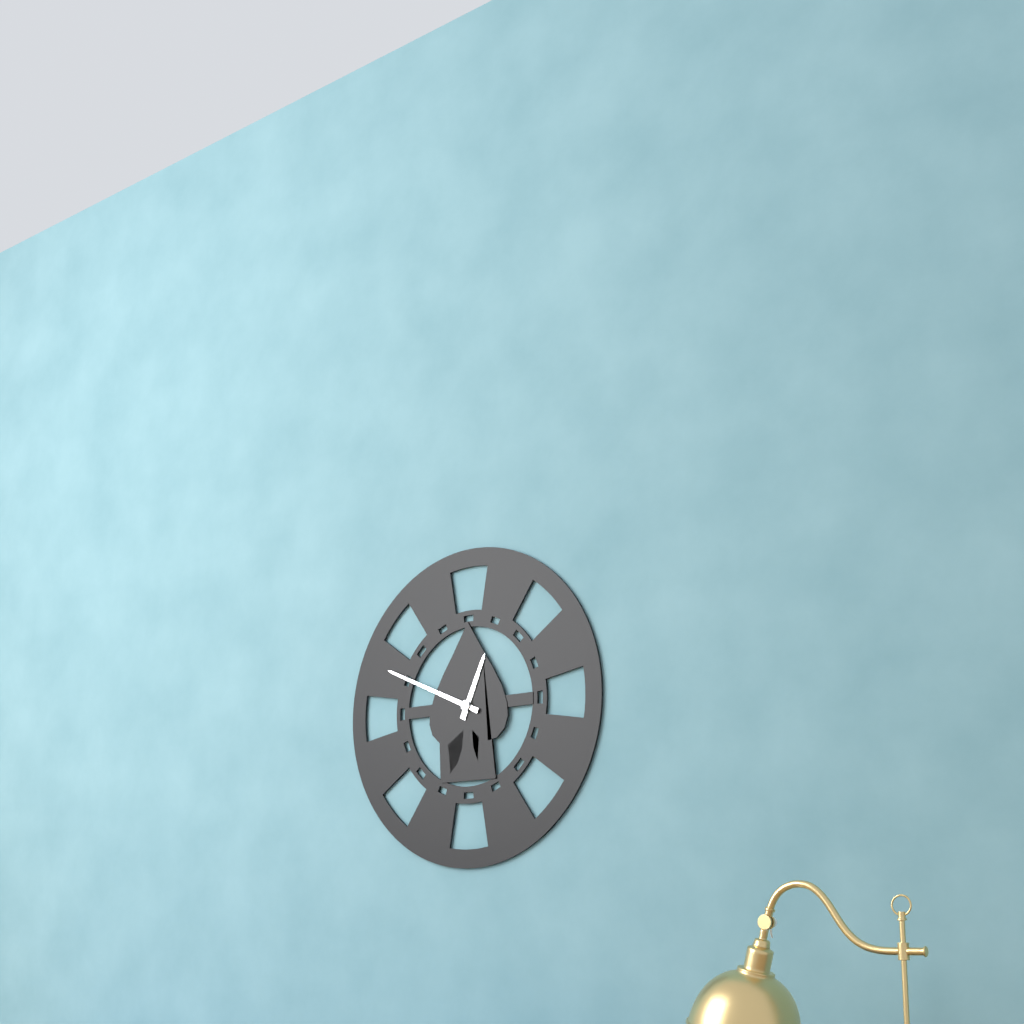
{"hour": 12, "minute": 49}
